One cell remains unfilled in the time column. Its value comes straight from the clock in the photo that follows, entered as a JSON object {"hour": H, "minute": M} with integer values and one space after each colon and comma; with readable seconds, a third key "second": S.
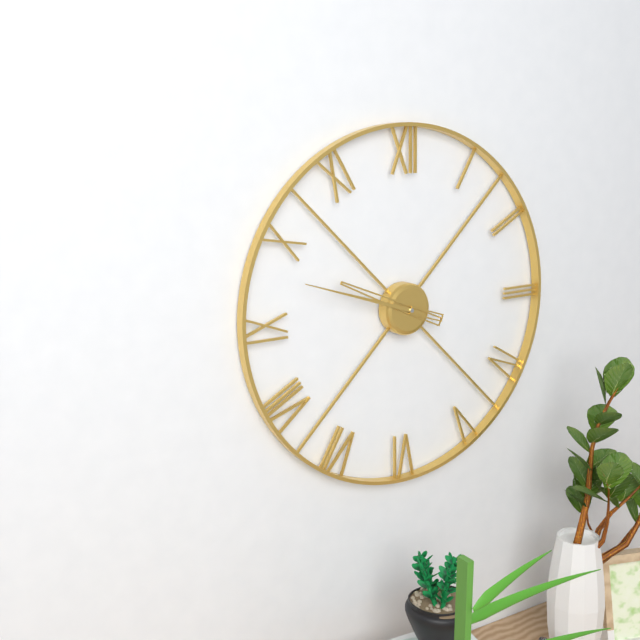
{"hour": 9, "minute": 48}
